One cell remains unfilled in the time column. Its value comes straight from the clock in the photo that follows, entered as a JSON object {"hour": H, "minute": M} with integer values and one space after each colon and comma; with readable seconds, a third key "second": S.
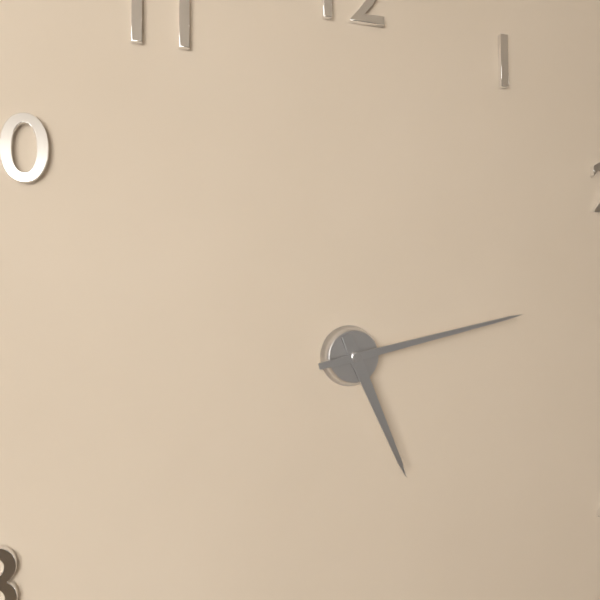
{"hour": 5, "minute": 13}
